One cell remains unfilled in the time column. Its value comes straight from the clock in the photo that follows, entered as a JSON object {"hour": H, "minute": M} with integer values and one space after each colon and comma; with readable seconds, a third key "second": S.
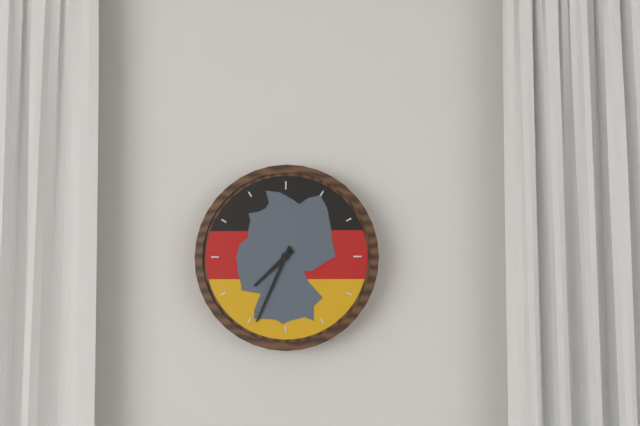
{"hour": 7, "minute": 34}
